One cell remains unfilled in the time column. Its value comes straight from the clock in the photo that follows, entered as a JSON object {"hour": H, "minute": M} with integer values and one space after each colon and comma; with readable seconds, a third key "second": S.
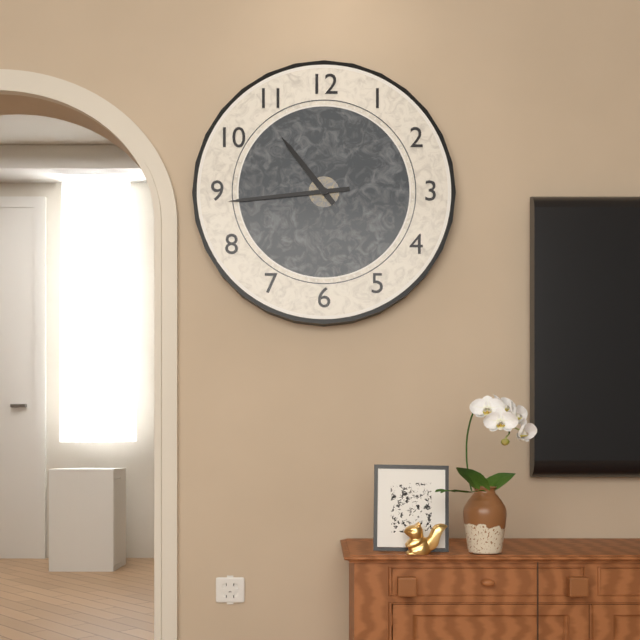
{"hour": 10, "minute": 44}
